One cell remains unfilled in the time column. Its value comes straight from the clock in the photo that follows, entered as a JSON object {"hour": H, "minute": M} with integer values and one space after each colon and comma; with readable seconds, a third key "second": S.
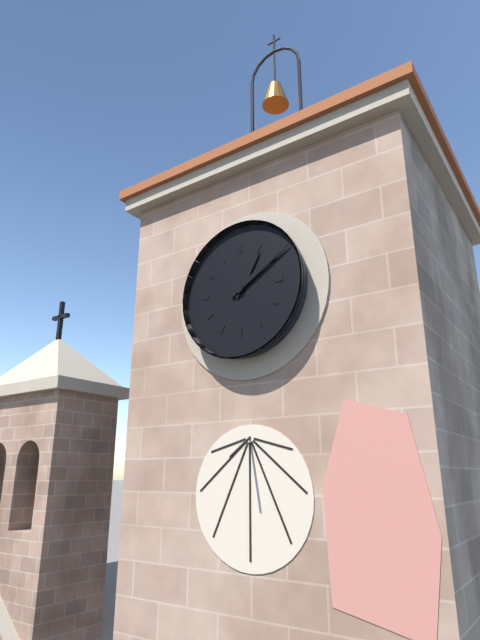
{"hour": 1, "minute": 10}
